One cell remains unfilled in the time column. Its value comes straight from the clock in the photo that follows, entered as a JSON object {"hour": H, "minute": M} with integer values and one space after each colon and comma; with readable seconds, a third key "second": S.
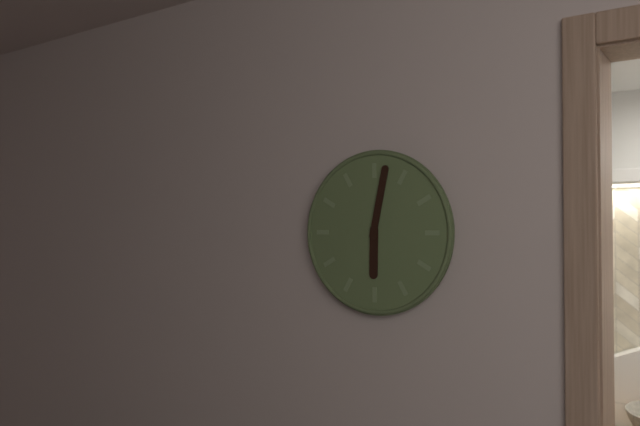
{"hour": 6, "minute": 2}
